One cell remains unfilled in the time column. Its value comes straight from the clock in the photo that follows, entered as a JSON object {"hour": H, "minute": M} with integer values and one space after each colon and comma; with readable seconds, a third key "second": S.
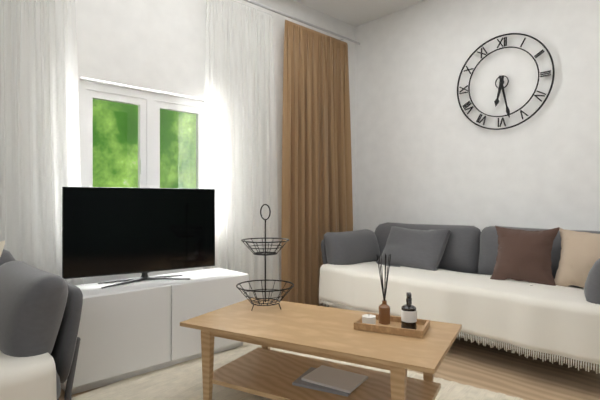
{"hour": 6, "minute": 28}
